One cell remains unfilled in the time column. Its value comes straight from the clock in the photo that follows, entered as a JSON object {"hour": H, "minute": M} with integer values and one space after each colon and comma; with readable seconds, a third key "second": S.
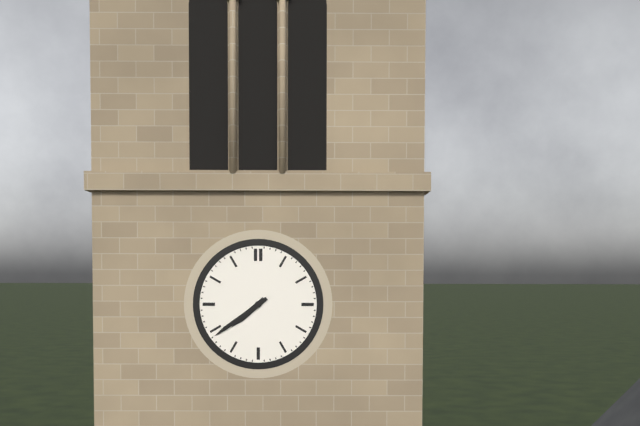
{"hour": 7, "minute": 39}
